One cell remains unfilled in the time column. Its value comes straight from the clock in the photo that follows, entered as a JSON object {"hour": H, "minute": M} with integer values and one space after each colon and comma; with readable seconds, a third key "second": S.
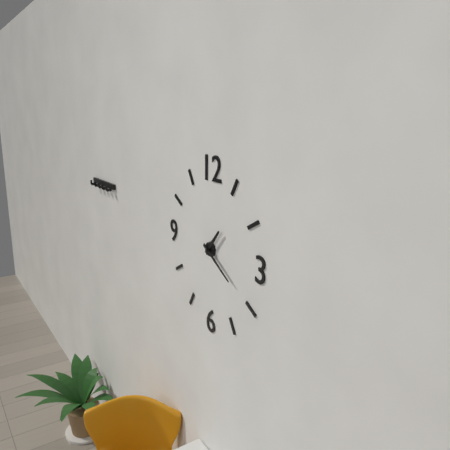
{"hour": 1, "minute": 20}
